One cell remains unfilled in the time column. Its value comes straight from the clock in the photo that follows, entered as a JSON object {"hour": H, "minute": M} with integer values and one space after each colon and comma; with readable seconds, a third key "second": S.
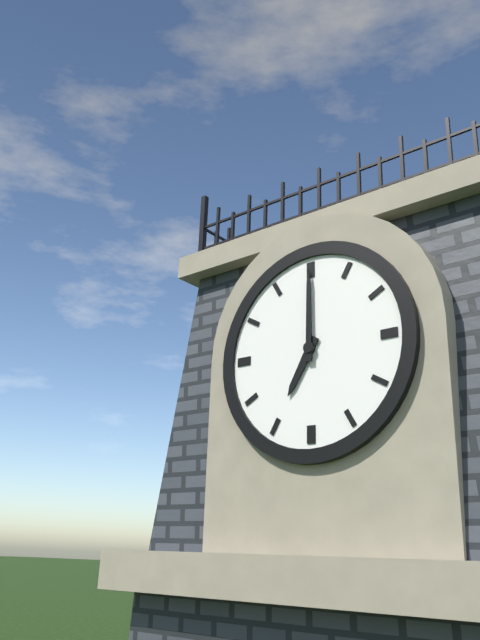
{"hour": 7, "minute": 0}
